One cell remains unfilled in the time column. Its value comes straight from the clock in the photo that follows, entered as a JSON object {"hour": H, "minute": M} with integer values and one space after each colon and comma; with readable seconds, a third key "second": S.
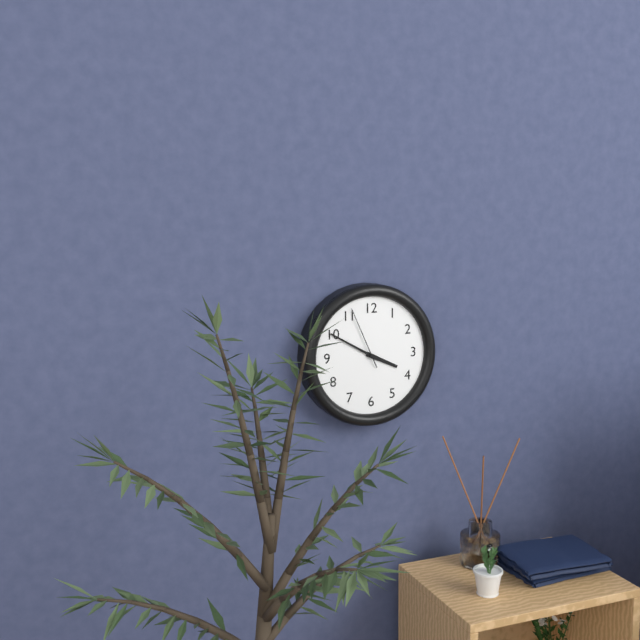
{"hour": 3, "minute": 50, "second": 56}
